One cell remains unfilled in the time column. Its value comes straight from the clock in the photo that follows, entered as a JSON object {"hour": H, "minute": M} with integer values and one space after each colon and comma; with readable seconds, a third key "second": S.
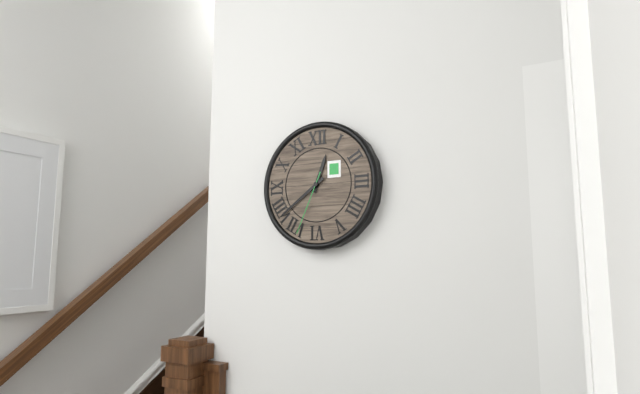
{"hour": 12, "minute": 39, "second": 34}
